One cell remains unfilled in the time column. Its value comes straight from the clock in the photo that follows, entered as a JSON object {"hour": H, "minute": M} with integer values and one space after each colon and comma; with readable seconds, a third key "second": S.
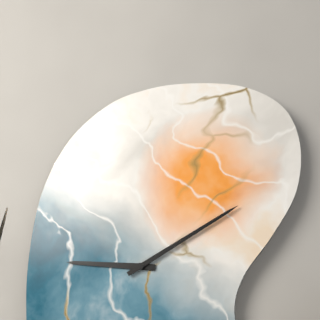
{"hour": 9, "minute": 10}
